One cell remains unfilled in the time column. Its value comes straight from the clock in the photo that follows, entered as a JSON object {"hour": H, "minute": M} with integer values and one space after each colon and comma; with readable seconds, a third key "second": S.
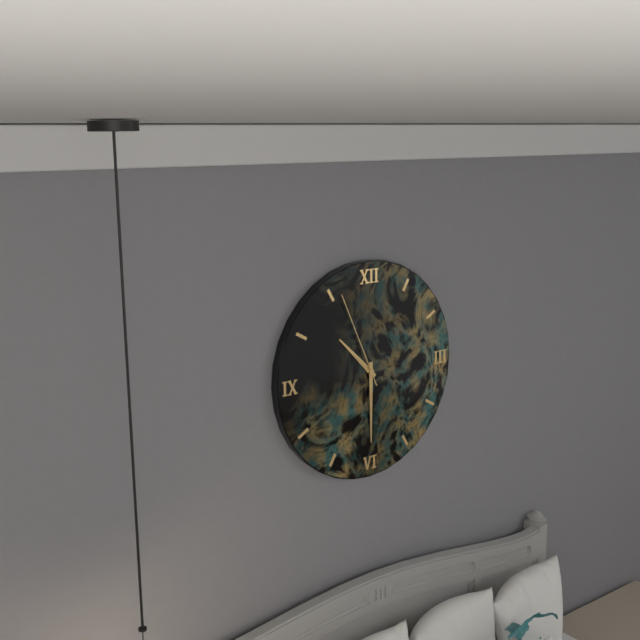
{"hour": 10, "minute": 30, "second": 56}
